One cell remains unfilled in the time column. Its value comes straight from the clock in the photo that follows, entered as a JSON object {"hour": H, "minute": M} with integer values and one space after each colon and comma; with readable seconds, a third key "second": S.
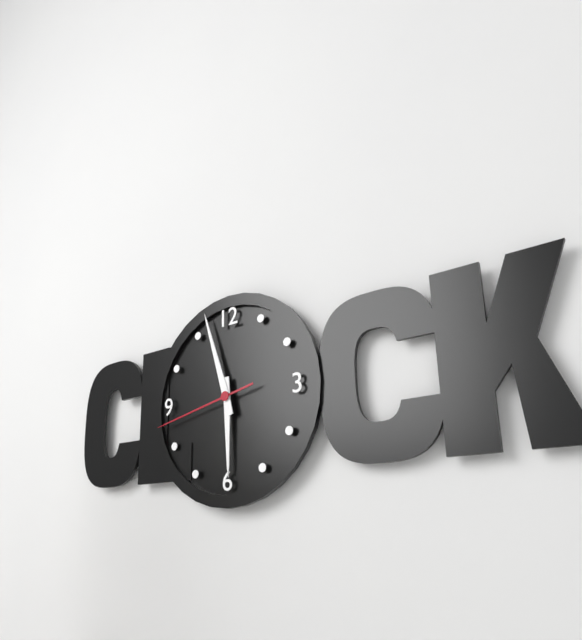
{"hour": 5, "minute": 57, "second": 43}
